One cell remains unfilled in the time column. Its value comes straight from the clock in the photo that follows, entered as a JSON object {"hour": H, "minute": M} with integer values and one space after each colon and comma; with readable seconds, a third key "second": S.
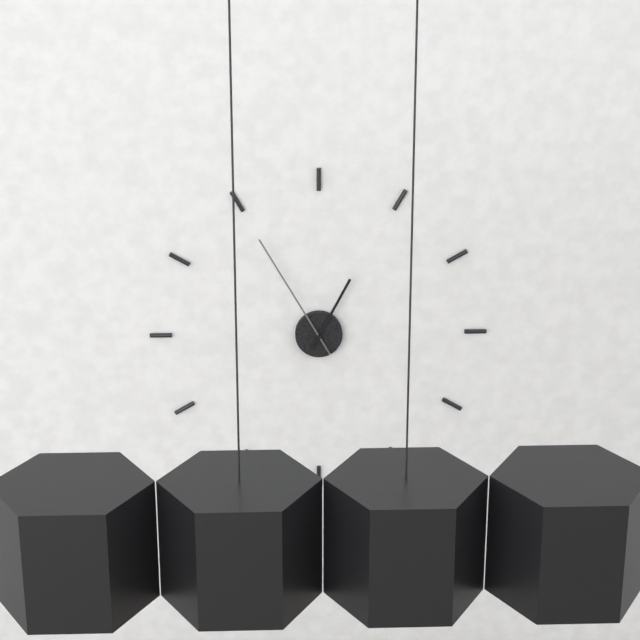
{"hour": 12, "minute": 55}
